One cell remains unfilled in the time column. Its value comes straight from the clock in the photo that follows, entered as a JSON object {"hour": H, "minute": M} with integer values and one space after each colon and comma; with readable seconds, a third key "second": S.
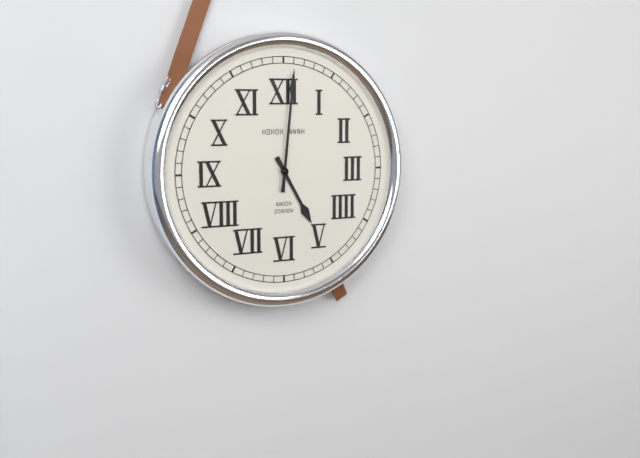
{"hour": 5, "minute": 1}
